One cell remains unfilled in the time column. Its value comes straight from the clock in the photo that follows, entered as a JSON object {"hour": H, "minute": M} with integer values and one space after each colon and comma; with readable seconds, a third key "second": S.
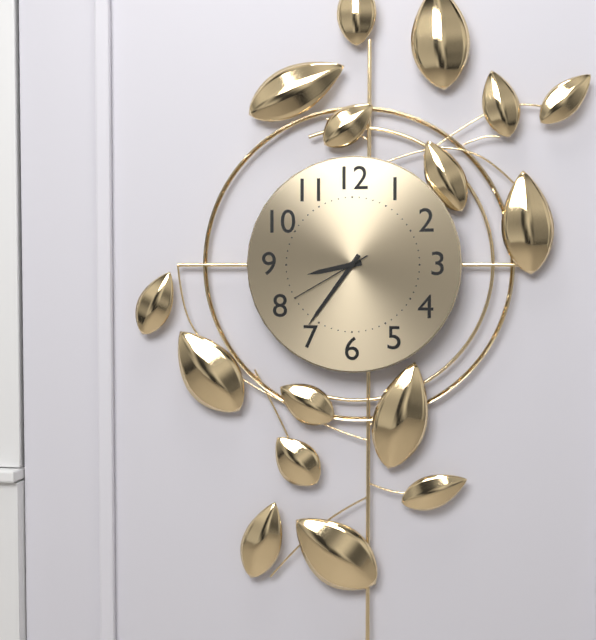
{"hour": 8, "minute": 36, "second": 40}
